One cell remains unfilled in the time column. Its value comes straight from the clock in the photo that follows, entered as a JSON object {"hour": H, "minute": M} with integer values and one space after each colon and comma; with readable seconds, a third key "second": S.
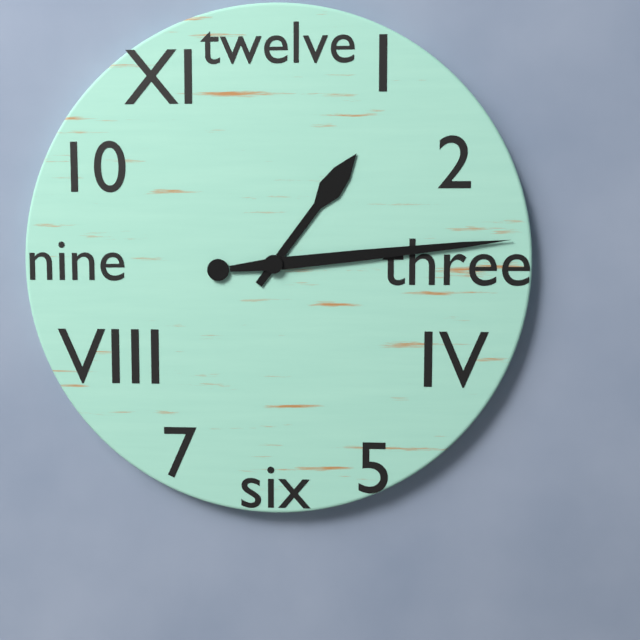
{"hour": 1, "minute": 14}
